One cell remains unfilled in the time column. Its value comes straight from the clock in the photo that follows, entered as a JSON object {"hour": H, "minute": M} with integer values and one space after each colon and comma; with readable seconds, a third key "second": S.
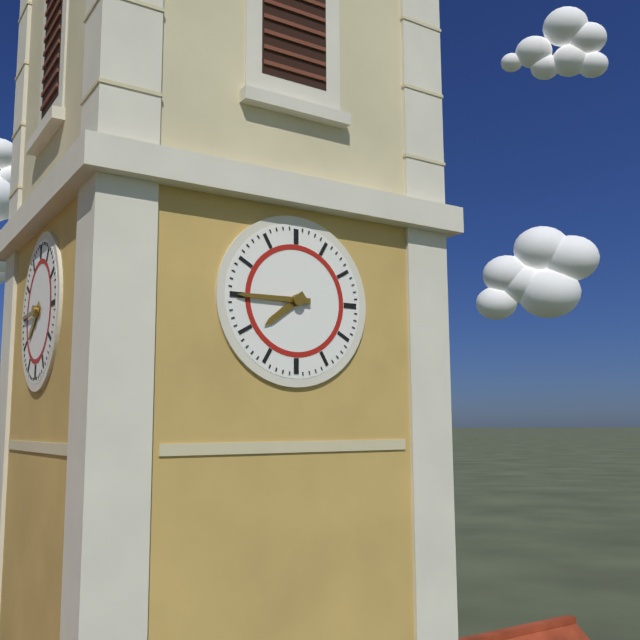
{"hour": 7, "minute": 45}
